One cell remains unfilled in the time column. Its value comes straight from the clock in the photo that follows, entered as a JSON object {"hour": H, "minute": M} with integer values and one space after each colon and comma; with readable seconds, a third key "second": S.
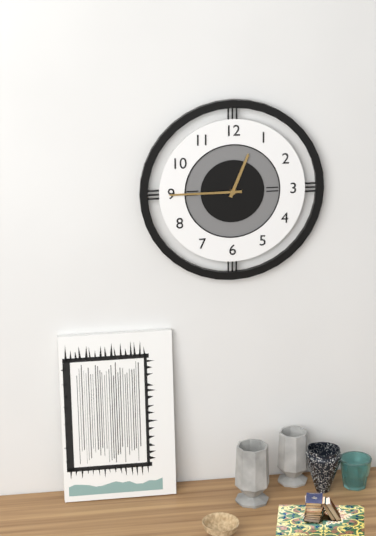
{"hour": 12, "minute": 45}
